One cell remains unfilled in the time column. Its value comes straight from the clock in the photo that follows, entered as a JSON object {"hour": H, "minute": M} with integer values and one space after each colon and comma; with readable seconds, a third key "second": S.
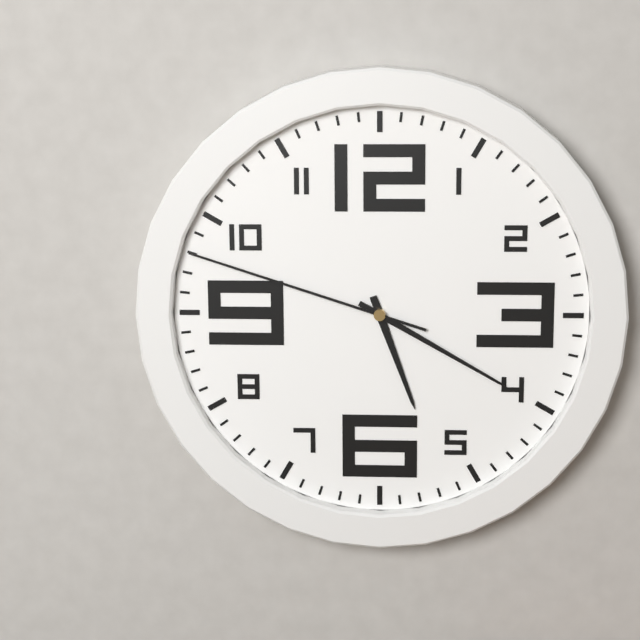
{"hour": 5, "minute": 20, "second": 48}
